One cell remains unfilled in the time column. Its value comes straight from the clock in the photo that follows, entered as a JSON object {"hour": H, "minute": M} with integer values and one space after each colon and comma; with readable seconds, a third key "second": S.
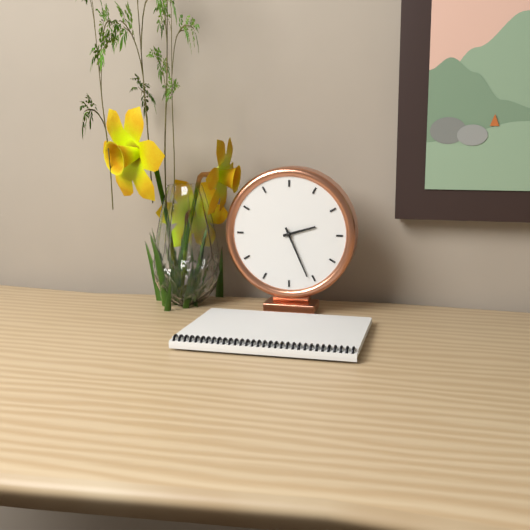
{"hour": 2, "minute": 26}
